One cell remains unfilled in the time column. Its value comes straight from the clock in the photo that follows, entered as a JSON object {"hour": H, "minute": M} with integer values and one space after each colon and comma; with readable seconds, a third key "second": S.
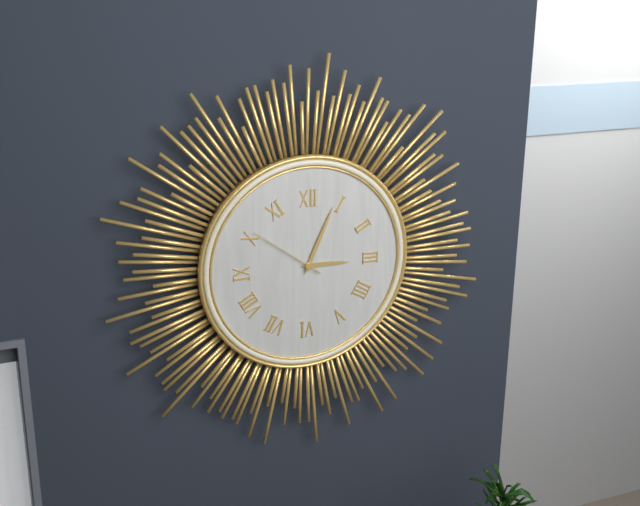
{"hour": 3, "minute": 4, "second": 51}
